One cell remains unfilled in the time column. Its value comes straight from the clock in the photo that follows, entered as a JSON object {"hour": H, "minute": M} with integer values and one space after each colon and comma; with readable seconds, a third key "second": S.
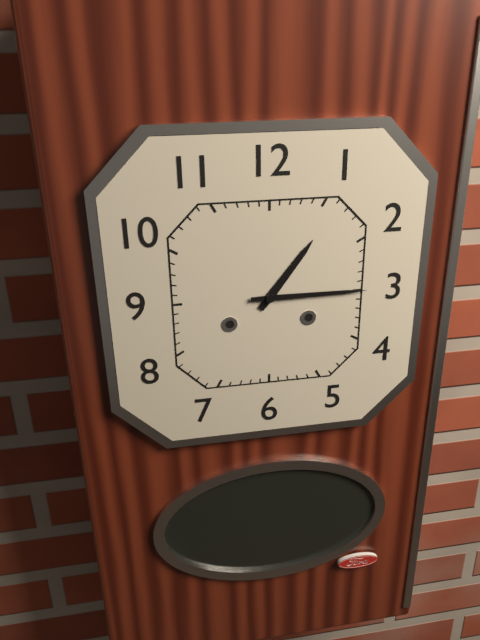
{"hour": 1, "minute": 15}
